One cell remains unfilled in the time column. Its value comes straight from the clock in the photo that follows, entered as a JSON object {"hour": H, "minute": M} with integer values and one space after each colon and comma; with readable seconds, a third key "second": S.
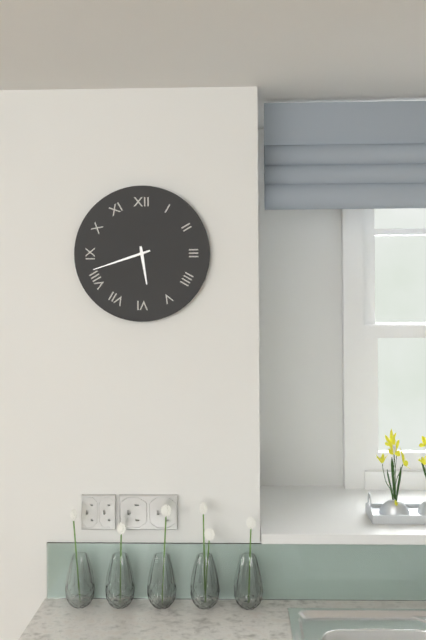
{"hour": 5, "minute": 42}
